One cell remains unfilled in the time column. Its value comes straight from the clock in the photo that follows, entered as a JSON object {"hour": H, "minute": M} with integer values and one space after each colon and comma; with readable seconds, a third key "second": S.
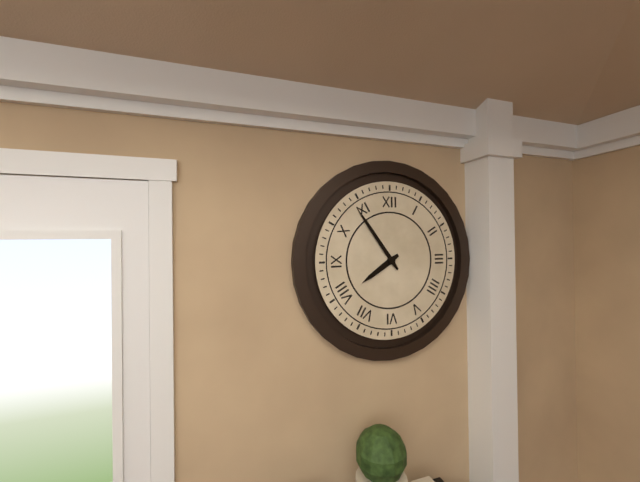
{"hour": 7, "minute": 54}
